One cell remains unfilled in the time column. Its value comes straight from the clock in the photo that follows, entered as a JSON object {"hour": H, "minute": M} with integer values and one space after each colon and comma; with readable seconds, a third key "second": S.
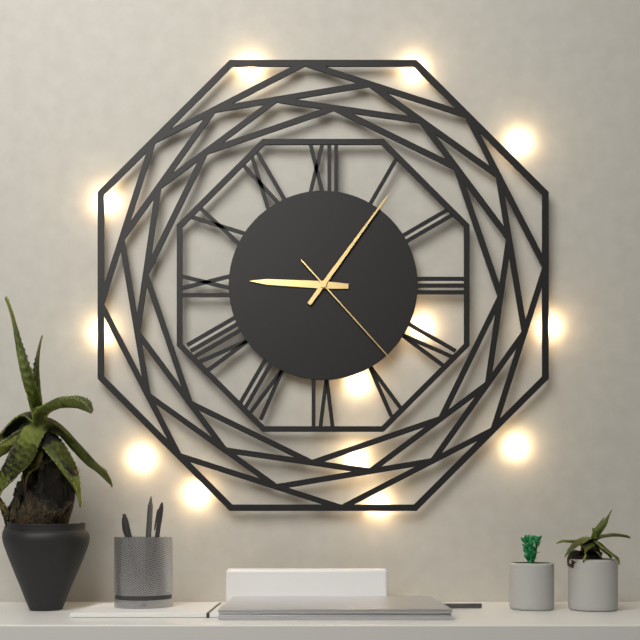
{"hour": 9, "minute": 6, "second": 23}
